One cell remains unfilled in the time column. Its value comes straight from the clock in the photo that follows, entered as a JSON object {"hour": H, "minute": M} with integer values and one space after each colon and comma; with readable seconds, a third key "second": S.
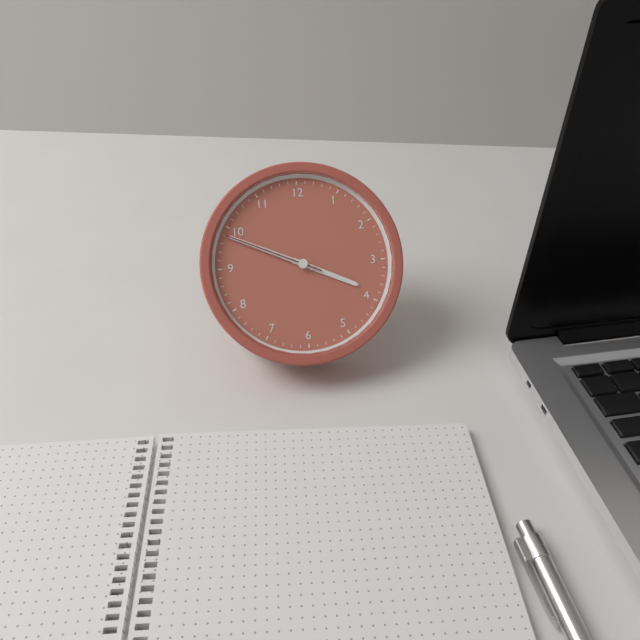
{"hour": 3, "minute": 49, "second": 49}
